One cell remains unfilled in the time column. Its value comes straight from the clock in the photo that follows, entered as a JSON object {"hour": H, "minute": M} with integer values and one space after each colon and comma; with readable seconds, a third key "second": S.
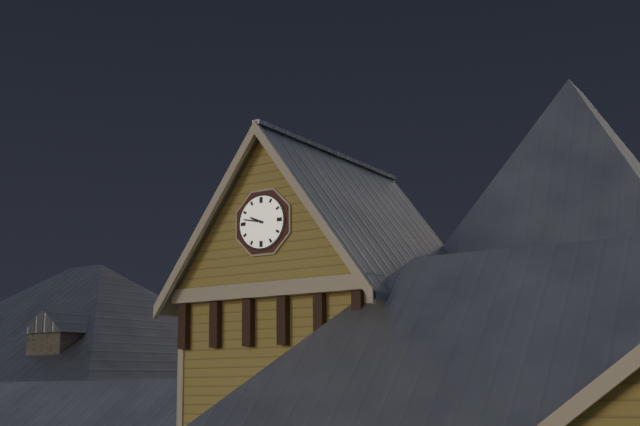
{"hour": 9, "minute": 47}
